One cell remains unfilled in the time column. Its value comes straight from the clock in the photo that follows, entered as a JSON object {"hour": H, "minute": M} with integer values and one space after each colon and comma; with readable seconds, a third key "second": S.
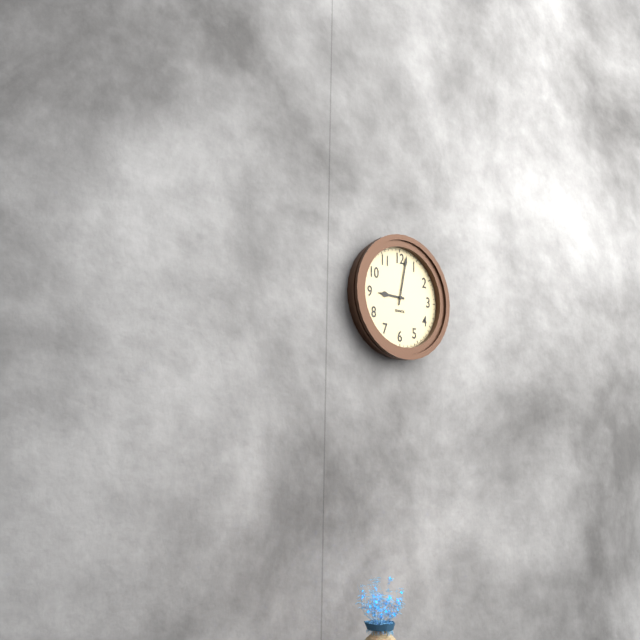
{"hour": 9, "minute": 2}
